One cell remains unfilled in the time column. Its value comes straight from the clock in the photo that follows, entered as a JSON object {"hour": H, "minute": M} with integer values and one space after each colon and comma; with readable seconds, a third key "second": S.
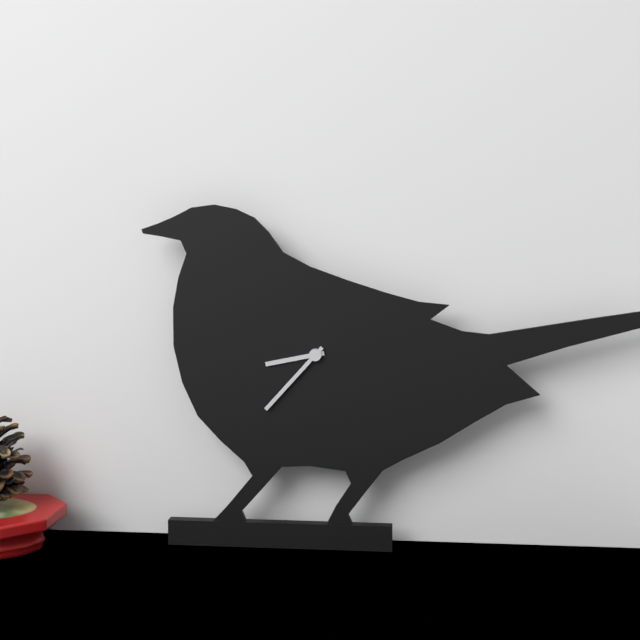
{"hour": 8, "minute": 37}
